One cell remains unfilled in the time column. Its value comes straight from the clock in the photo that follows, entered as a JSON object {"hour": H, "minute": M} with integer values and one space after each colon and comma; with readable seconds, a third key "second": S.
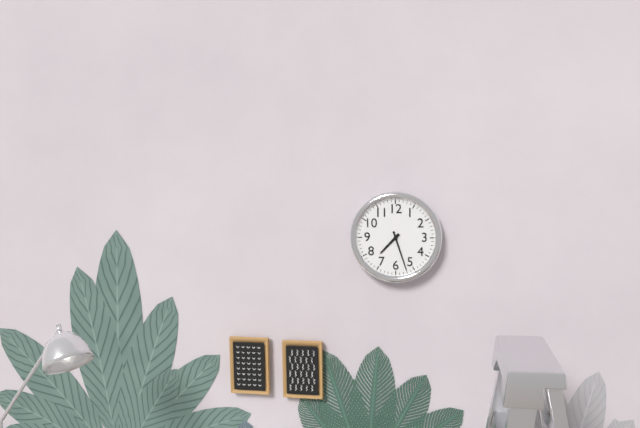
{"hour": 7, "minute": 27}
